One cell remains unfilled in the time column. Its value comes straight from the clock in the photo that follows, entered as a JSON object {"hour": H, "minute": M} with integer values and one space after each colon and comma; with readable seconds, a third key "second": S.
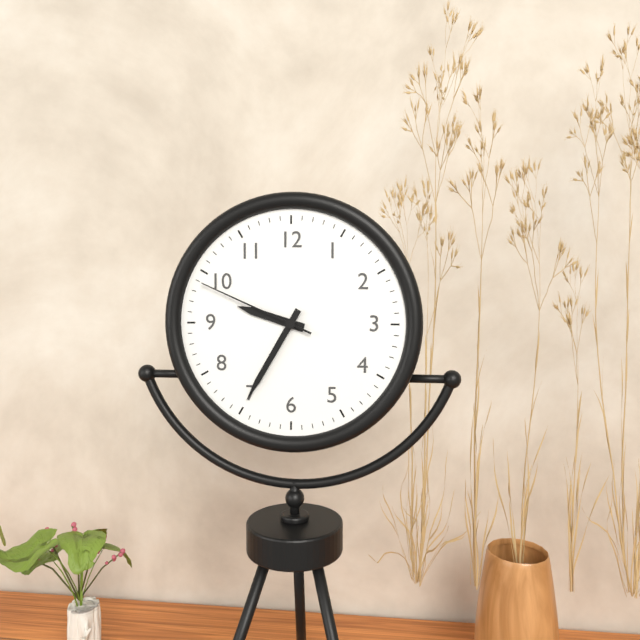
{"hour": 9, "minute": 35, "second": 49}
